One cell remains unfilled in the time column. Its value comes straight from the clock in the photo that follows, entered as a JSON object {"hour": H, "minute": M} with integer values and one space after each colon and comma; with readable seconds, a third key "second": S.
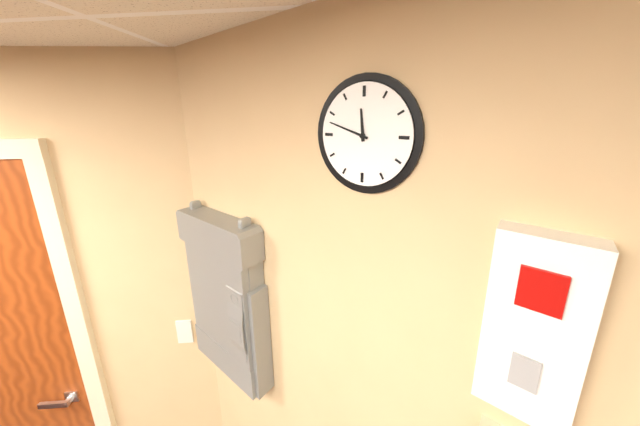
{"hour": 11, "minute": 48}
